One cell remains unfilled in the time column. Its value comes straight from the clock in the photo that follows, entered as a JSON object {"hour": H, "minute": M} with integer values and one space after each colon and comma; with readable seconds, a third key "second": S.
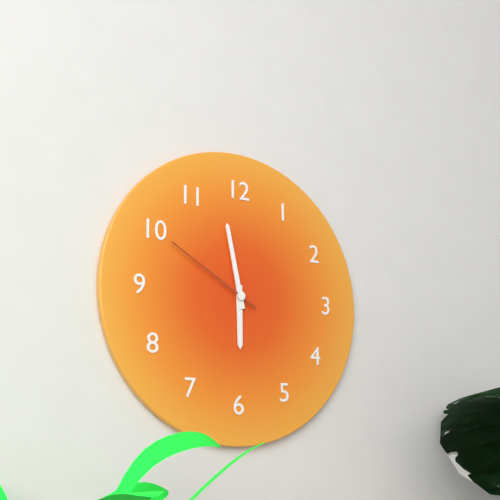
{"hour": 5, "minute": 58, "second": 50}
